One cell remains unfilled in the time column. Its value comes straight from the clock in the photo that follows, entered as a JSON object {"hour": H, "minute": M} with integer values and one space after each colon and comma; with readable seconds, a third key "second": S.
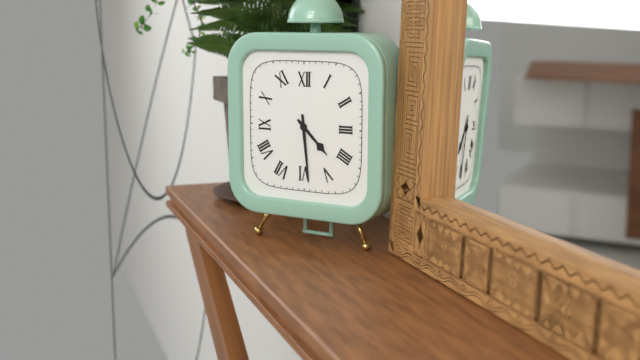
{"hour": 4, "minute": 29}
